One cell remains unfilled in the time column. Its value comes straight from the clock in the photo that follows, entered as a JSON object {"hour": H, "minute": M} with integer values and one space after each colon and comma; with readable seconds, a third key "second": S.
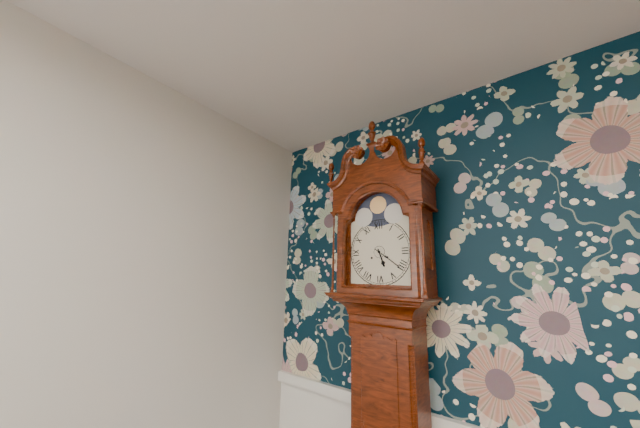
{"hour": 5, "minute": 21}
